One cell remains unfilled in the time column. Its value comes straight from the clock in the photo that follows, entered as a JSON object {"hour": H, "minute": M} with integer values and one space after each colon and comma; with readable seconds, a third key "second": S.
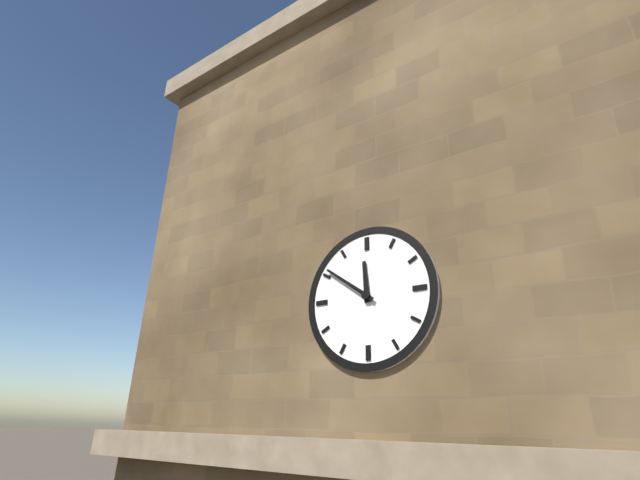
{"hour": 11, "minute": 51}
